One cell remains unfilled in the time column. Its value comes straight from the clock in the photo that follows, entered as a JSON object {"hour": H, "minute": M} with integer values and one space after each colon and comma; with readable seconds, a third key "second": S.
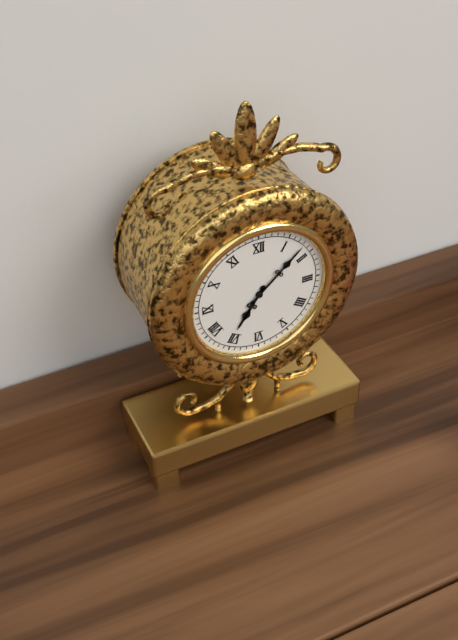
{"hour": 7, "minute": 8}
